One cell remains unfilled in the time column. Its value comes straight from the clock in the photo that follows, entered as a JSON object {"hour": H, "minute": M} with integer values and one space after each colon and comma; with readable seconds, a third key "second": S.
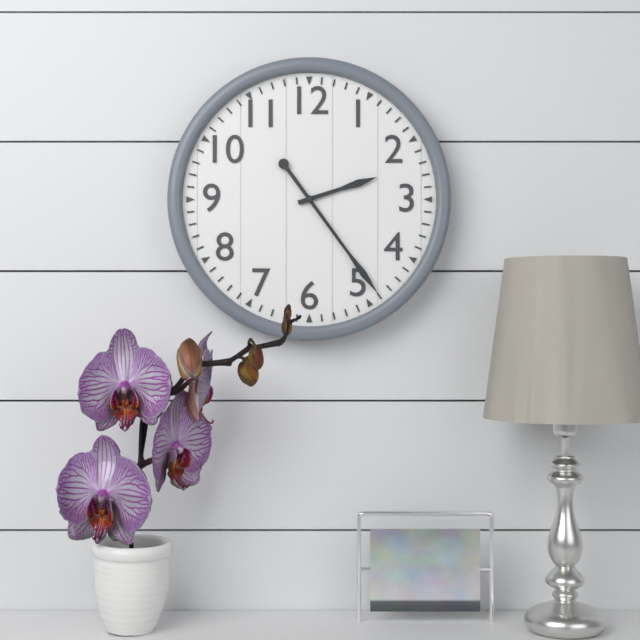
{"hour": 2, "minute": 24}
